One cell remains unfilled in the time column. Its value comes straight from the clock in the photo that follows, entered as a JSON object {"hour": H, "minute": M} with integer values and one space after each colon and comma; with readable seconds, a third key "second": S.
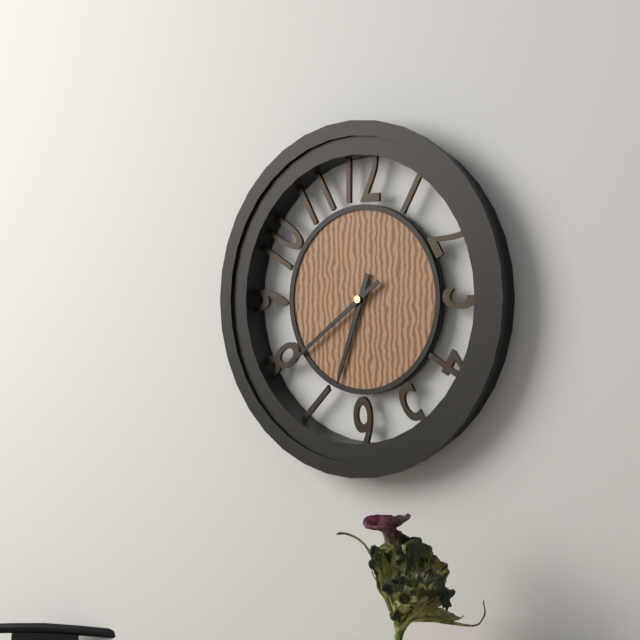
{"hour": 6, "minute": 39}
